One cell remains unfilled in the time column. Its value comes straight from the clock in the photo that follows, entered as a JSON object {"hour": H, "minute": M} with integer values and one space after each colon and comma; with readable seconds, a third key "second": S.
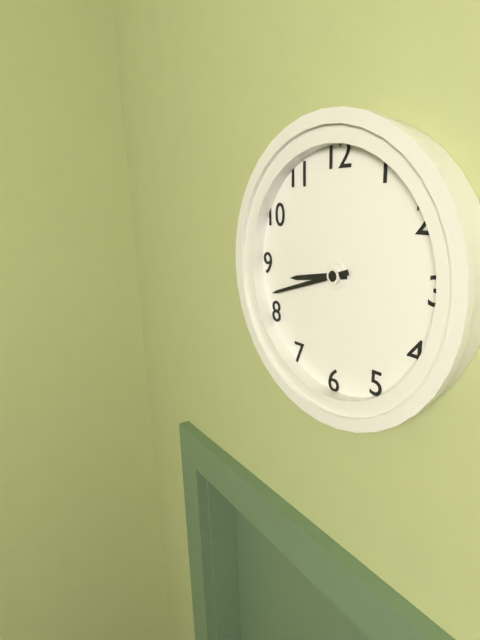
{"hour": 8, "minute": 42}
